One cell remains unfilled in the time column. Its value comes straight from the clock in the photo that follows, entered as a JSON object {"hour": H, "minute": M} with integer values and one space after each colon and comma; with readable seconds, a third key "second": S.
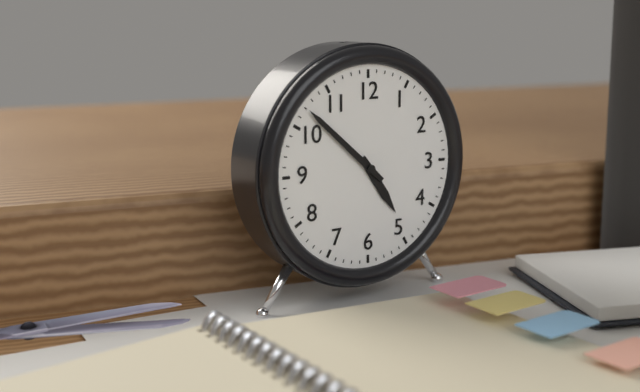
{"hour": 4, "minute": 52}
